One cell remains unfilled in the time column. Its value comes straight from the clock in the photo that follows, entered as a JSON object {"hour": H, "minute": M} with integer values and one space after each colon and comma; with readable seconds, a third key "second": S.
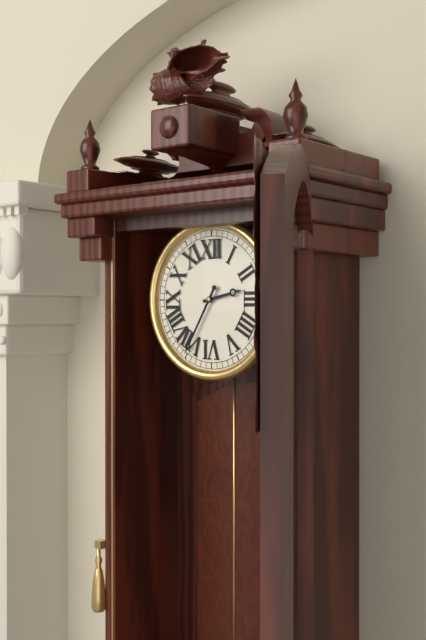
{"hour": 2, "minute": 35}
